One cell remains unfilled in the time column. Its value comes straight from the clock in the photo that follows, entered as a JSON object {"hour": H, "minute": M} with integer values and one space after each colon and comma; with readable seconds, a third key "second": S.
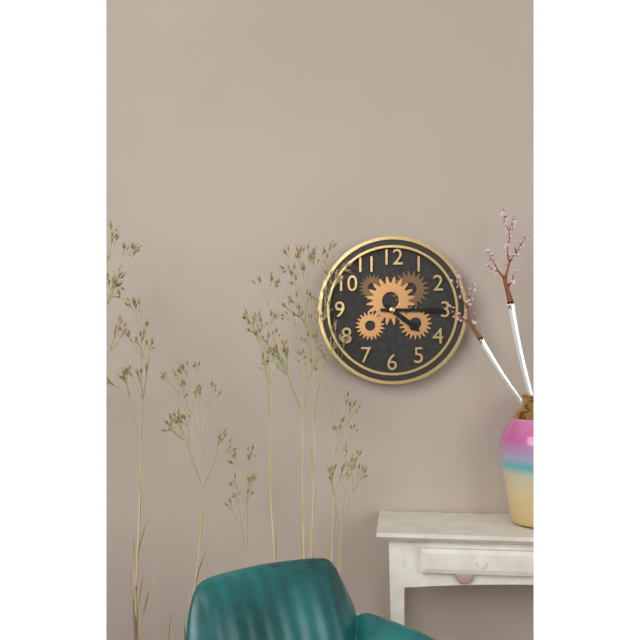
{"hour": 4, "minute": 15}
